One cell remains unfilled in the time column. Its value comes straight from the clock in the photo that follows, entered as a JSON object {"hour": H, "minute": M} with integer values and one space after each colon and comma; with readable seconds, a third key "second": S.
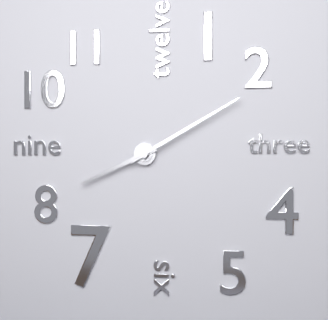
{"hour": 8, "minute": 10}
